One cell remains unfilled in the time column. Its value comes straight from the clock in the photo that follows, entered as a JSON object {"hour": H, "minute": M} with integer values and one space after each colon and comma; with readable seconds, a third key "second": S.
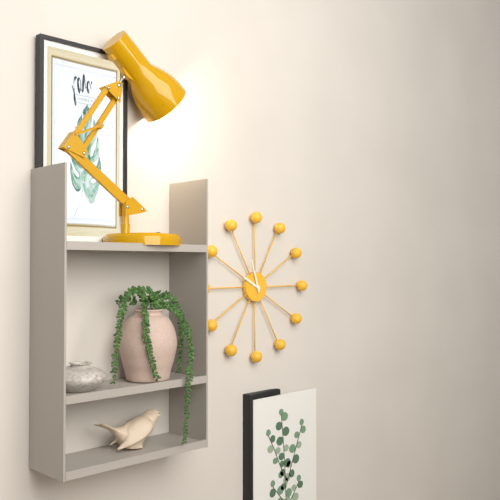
{"hour": 9, "minute": 57}
